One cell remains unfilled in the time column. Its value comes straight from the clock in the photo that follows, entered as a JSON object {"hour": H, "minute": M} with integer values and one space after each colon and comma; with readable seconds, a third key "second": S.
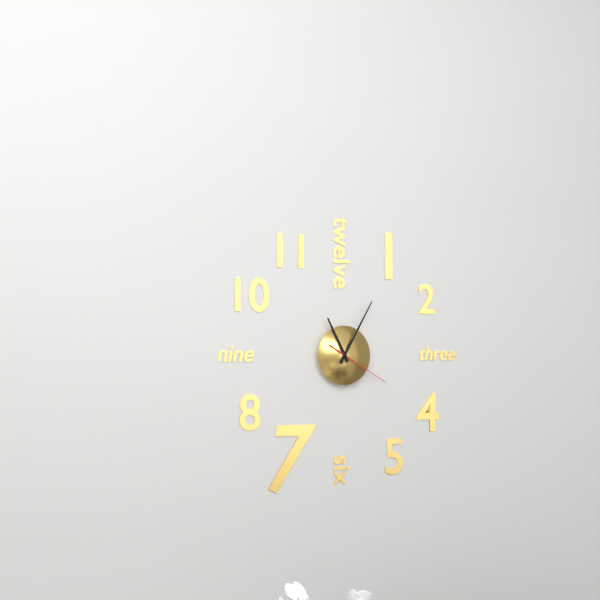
{"hour": 11, "minute": 5, "second": 20}
